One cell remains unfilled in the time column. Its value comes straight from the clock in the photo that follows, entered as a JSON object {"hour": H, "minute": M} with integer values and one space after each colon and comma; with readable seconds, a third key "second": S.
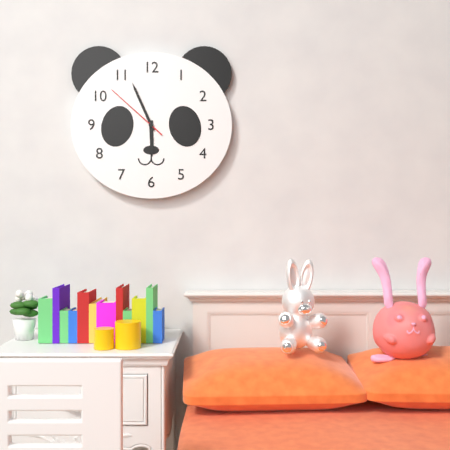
{"hour": 5, "minute": 56, "second": 52}
